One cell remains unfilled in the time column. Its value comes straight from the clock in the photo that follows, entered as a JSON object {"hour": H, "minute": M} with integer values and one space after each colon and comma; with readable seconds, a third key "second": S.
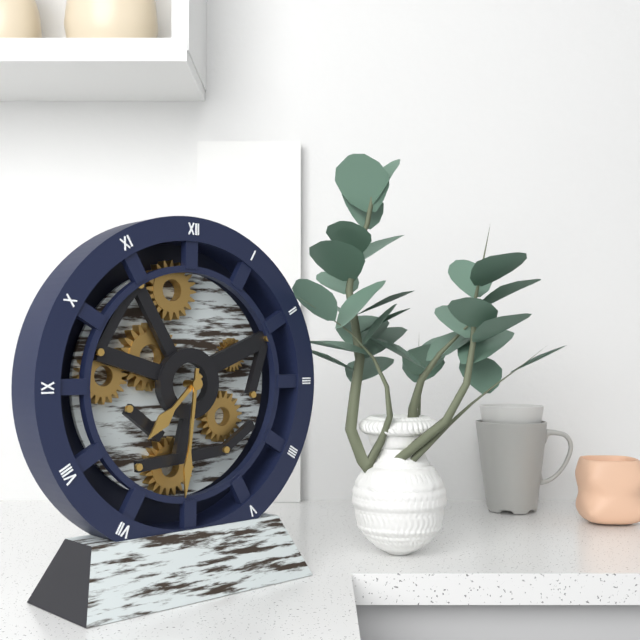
{"hour": 7, "minute": 31}
